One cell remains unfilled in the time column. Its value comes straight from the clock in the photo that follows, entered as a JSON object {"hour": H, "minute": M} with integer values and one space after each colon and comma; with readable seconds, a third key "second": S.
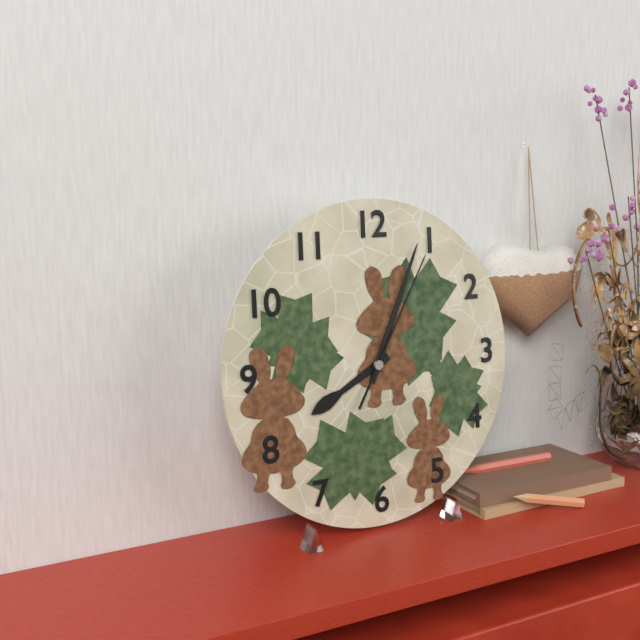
{"hour": 8, "minute": 4, "second": 5}
